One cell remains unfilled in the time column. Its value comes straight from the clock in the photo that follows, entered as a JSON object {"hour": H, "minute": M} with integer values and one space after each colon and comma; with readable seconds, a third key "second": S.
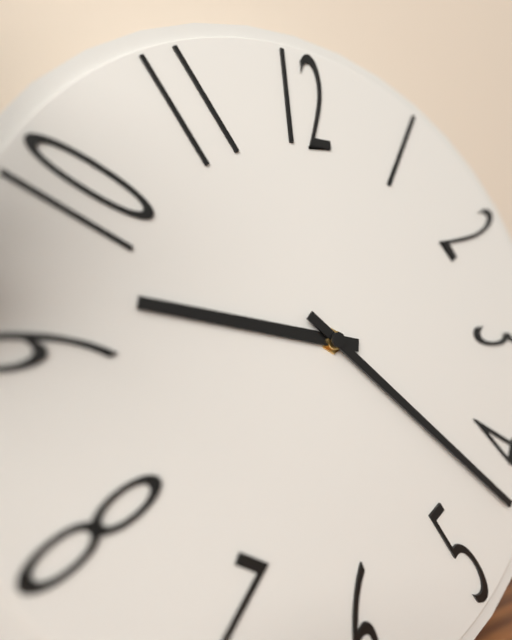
{"hour": 9, "minute": 22}
